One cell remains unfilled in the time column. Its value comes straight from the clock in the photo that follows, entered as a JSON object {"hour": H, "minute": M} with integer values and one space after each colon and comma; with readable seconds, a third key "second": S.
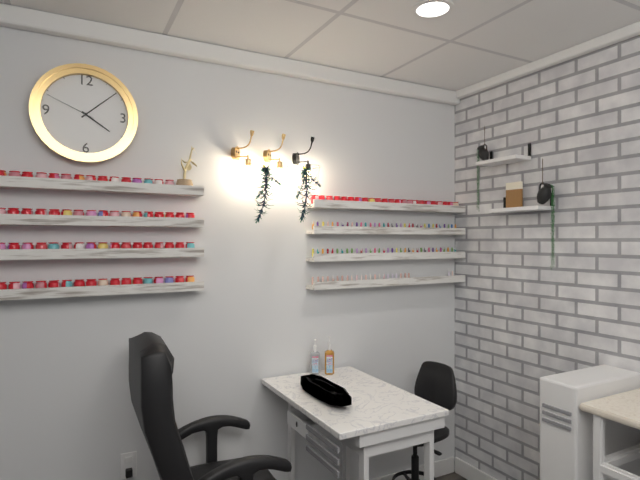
{"hour": 4, "minute": 8, "second": 49}
